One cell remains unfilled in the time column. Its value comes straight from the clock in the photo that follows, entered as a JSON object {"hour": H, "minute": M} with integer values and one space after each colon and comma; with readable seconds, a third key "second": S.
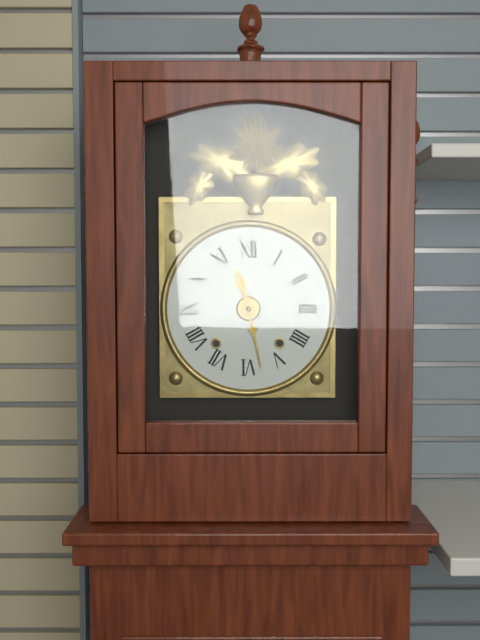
{"hour": 11, "minute": 28}
